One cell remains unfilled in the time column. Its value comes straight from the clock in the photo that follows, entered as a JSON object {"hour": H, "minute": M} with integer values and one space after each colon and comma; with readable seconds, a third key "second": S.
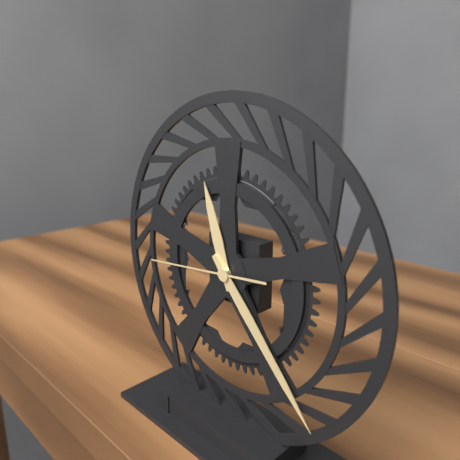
{"hour": 11, "minute": 23, "second": 44}
